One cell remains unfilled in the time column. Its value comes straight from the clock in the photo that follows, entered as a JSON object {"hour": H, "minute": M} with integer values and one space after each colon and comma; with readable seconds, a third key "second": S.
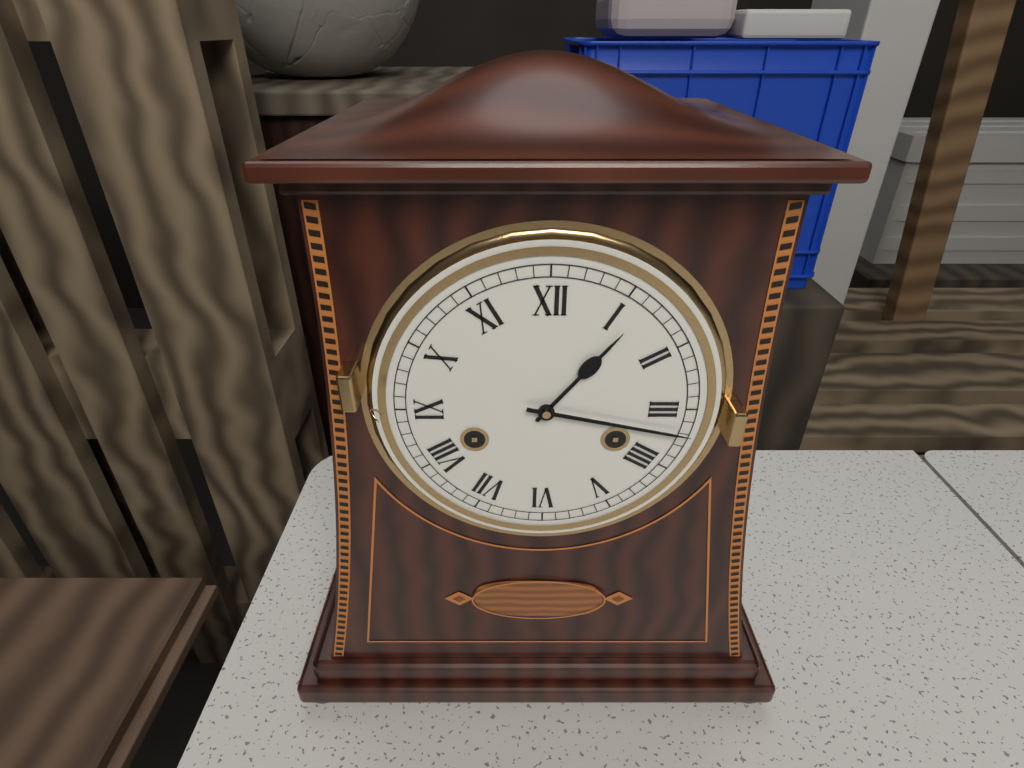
{"hour": 1, "minute": 17}
